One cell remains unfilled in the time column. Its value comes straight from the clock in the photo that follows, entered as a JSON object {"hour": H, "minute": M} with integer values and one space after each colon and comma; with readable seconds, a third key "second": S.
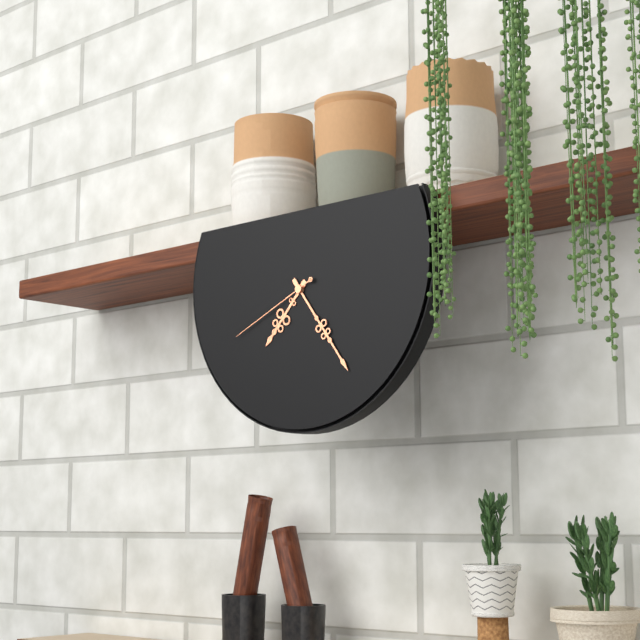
{"hour": 7, "minute": 24, "second": 41}
